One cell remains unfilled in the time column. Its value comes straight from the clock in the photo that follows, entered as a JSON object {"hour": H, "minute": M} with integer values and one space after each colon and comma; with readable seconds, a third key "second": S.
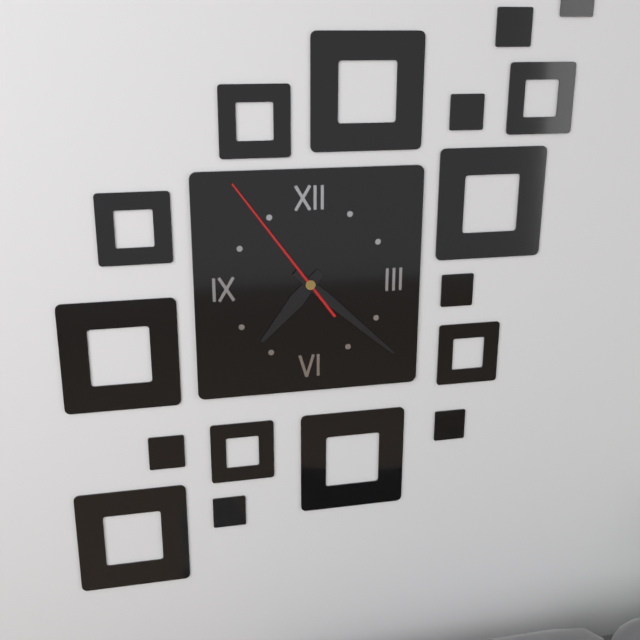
{"hour": 7, "minute": 22, "second": 54}
